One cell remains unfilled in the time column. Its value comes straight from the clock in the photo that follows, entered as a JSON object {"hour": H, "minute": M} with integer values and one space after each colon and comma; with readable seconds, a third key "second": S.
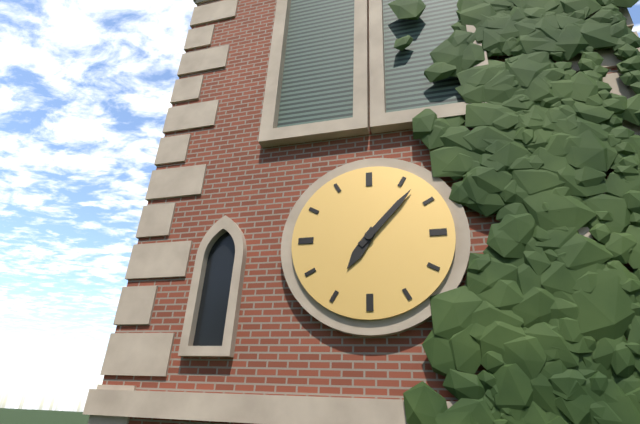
{"hour": 7, "minute": 7}
